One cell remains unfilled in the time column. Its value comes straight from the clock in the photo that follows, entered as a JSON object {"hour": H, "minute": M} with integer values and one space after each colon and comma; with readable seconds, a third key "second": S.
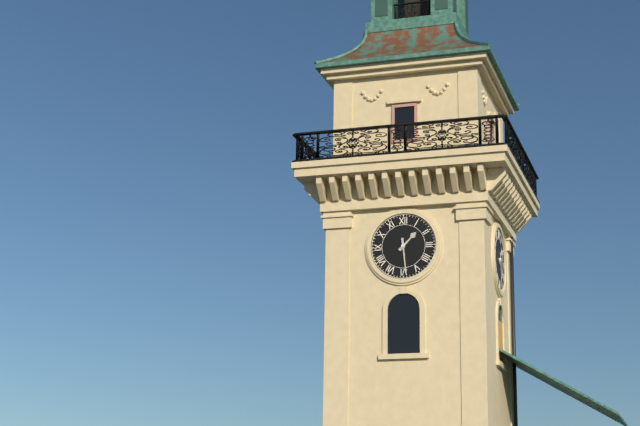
{"hour": 1, "minute": 29}
